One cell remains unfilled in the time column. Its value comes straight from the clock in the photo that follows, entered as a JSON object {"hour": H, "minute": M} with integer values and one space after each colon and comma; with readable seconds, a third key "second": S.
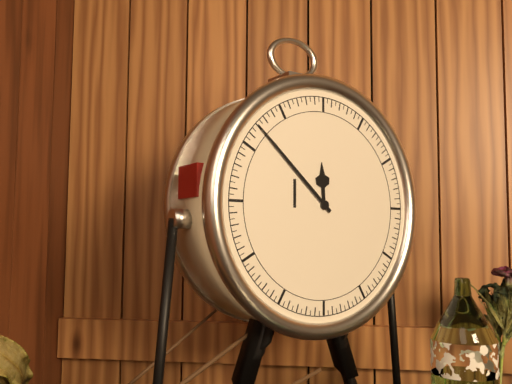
{"hour": 11, "minute": 52}
